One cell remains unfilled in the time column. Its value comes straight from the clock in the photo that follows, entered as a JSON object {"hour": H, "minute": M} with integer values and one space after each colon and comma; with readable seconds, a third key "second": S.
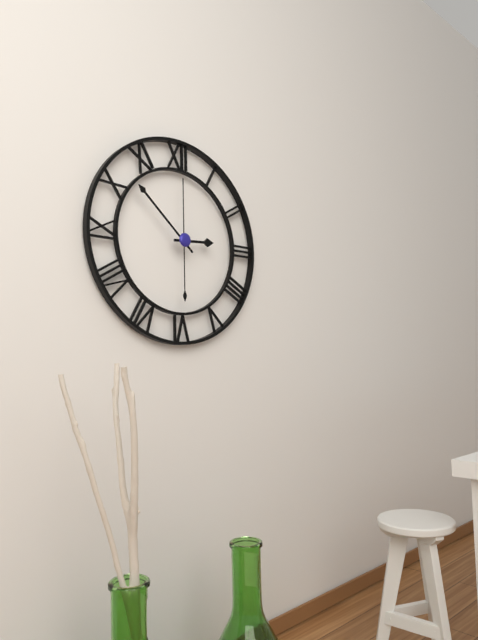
{"hour": 2, "minute": 52, "second": 0}
